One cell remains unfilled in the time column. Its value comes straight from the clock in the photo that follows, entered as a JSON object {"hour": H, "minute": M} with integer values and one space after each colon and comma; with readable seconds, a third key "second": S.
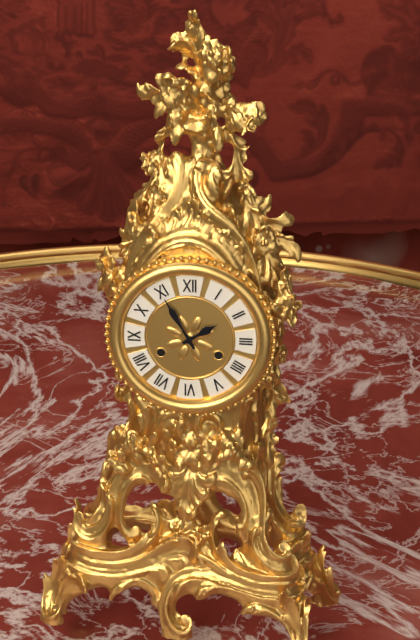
{"hour": 1, "minute": 55}
